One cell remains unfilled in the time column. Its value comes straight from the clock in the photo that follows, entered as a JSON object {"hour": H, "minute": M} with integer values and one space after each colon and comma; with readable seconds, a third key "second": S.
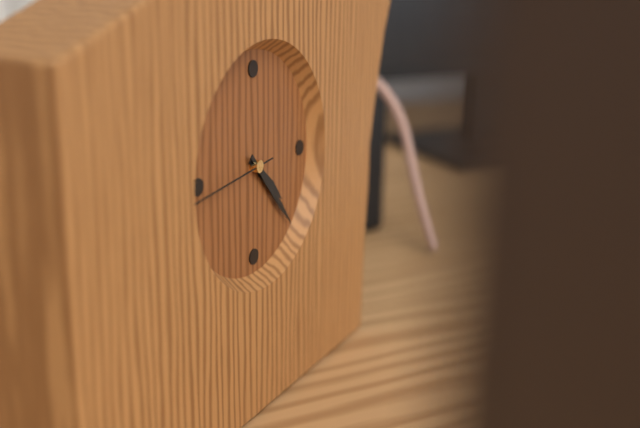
{"hour": 4, "minute": 23, "second": 44}
